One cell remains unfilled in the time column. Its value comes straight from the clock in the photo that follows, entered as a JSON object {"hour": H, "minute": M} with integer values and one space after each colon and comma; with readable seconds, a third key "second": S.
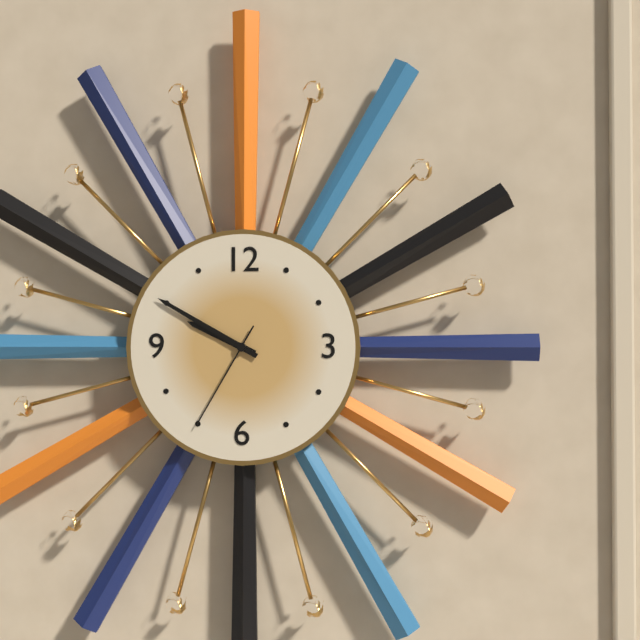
{"hour": 9, "minute": 50, "second": 35}
